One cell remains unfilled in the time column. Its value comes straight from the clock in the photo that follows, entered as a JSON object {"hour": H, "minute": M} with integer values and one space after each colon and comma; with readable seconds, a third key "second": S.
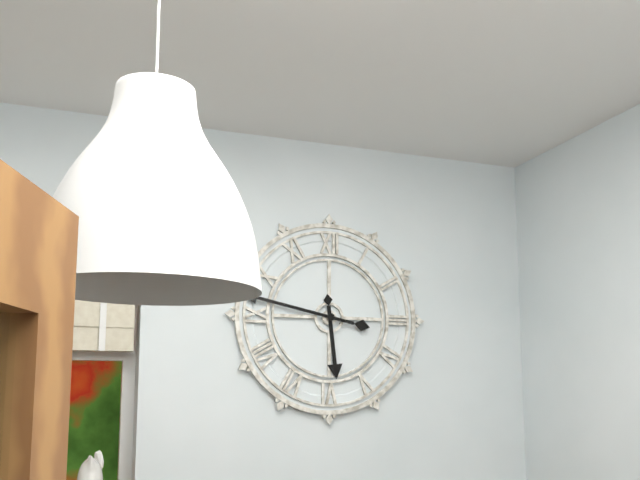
{"hour": 5, "minute": 47}
